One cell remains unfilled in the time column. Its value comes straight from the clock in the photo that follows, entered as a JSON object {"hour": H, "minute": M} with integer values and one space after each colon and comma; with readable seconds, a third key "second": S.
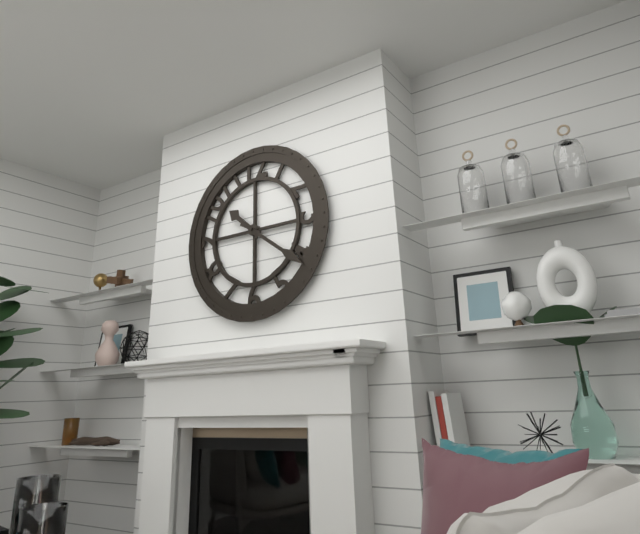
{"hour": 10, "minute": 21}
